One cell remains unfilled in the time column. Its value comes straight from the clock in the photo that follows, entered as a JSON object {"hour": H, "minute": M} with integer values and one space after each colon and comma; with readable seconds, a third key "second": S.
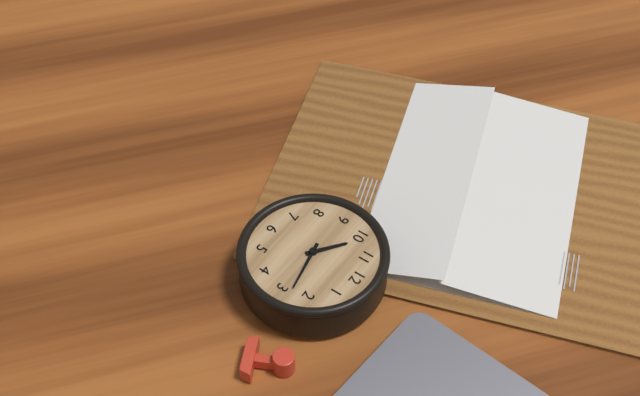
{"hour": 10, "minute": 13}
